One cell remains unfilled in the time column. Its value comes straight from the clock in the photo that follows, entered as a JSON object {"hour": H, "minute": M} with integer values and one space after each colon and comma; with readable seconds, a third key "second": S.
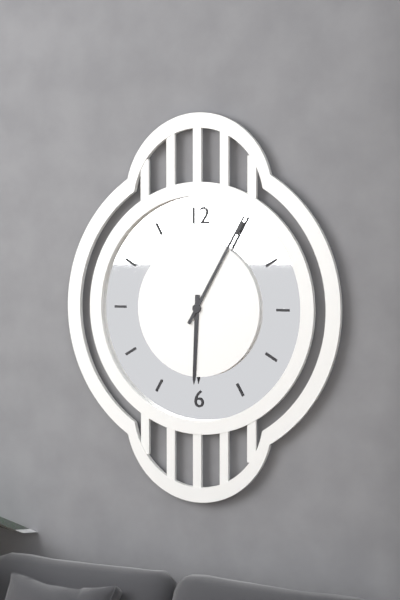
{"hour": 6, "minute": 5}
